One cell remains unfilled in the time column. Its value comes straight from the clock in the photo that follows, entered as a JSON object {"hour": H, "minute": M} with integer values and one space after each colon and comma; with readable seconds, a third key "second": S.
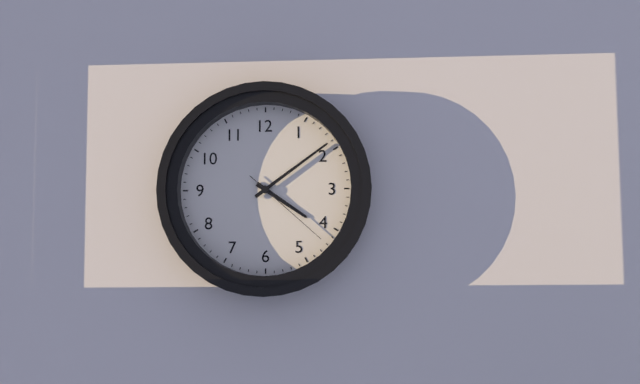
{"hour": 4, "minute": 9, "second": 22}
